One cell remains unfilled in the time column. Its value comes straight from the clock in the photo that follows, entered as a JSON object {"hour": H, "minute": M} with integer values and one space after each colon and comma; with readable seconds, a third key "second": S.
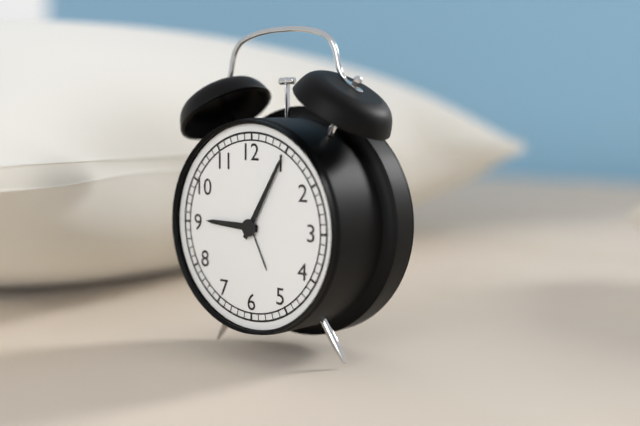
{"hour": 9, "minute": 5}
